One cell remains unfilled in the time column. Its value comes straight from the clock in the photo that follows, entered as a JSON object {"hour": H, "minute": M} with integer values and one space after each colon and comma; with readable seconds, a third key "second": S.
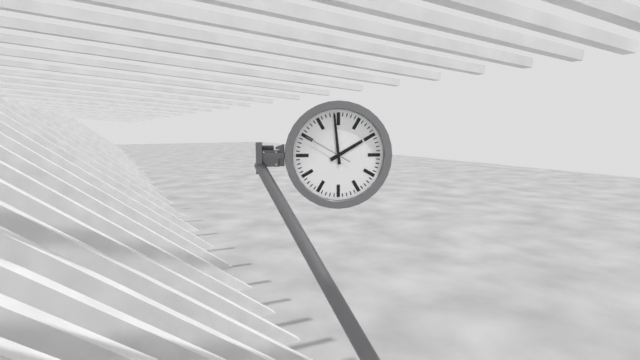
{"hour": 1, "minute": 59}
